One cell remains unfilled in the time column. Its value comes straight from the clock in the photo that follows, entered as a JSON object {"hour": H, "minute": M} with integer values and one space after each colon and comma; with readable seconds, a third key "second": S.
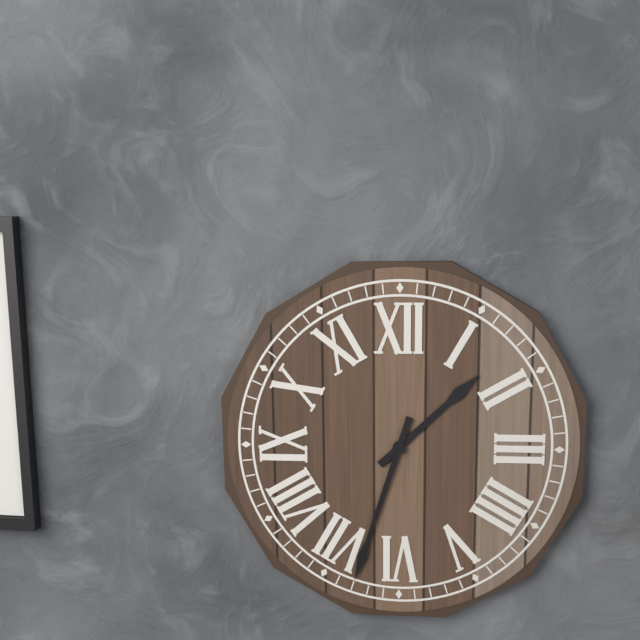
{"hour": 1, "minute": 33}
